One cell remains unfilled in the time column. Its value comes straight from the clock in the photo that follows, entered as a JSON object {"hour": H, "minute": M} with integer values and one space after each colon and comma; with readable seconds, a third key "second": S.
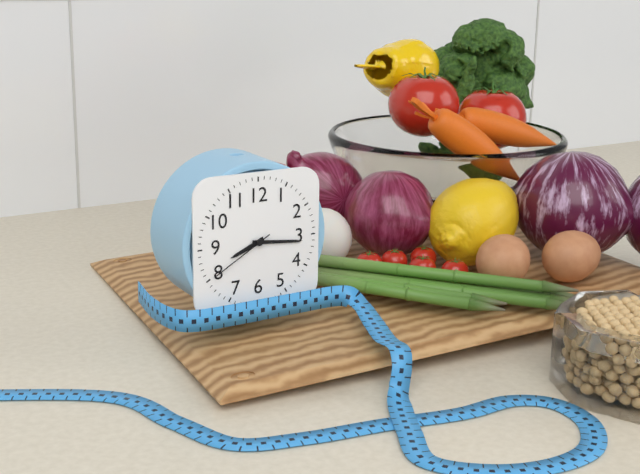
{"hour": 8, "minute": 16, "second": 40}
